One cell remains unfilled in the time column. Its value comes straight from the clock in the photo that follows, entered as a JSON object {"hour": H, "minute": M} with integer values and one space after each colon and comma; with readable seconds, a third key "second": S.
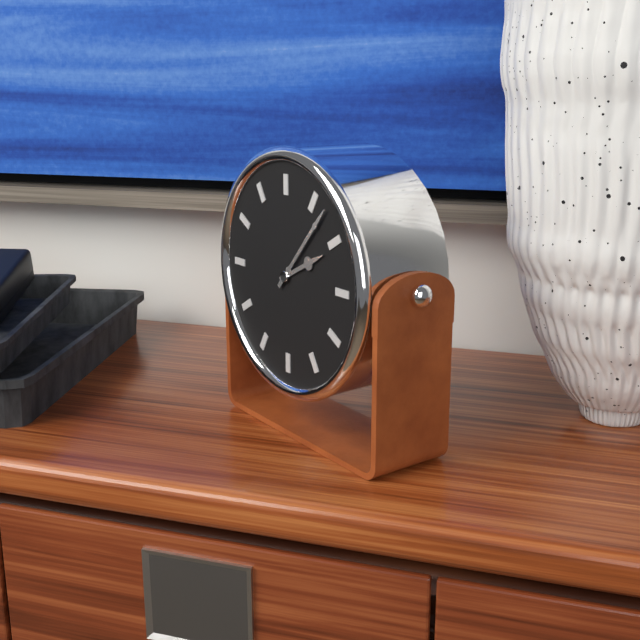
{"hour": 2, "minute": 7}
